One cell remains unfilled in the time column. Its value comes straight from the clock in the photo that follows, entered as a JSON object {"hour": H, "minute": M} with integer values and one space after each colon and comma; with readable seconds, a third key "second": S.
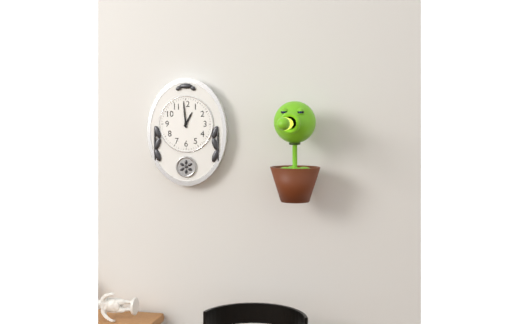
{"hour": 12, "minute": 59}
